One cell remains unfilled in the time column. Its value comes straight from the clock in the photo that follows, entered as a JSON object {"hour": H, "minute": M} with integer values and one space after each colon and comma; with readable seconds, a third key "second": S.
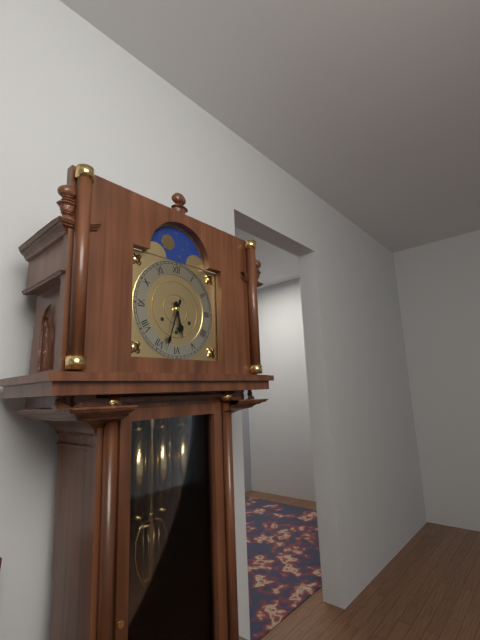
{"hour": 5, "minute": 33}
